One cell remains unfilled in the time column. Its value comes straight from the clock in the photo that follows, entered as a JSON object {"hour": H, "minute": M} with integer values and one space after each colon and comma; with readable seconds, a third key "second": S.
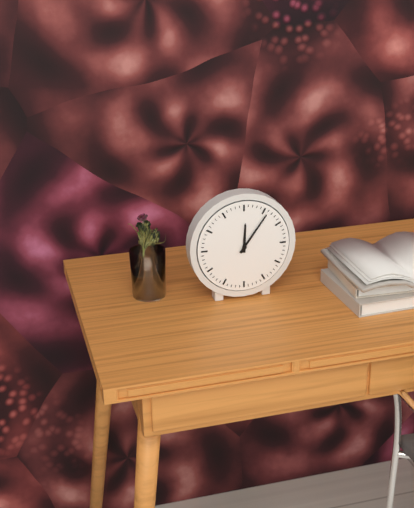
{"hour": 12, "minute": 6}
